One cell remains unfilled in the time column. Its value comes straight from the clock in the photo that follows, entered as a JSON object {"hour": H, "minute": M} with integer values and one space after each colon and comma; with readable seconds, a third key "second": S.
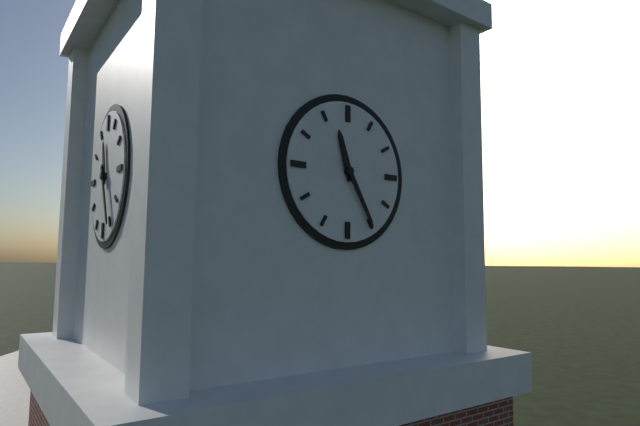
{"hour": 11, "minute": 25}
